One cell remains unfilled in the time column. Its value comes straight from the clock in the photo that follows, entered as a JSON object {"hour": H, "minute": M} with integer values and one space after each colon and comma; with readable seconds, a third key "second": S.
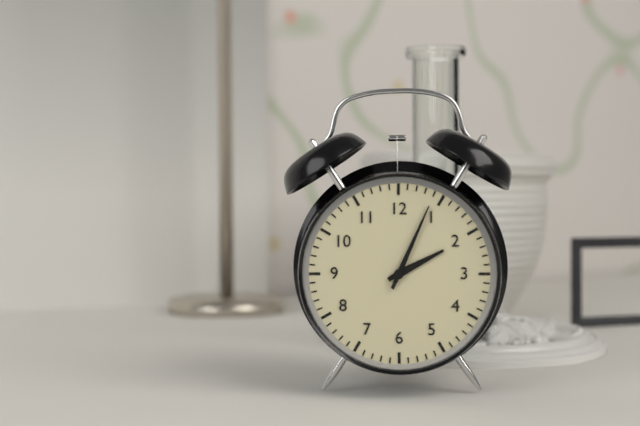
{"hour": 2, "minute": 4}
